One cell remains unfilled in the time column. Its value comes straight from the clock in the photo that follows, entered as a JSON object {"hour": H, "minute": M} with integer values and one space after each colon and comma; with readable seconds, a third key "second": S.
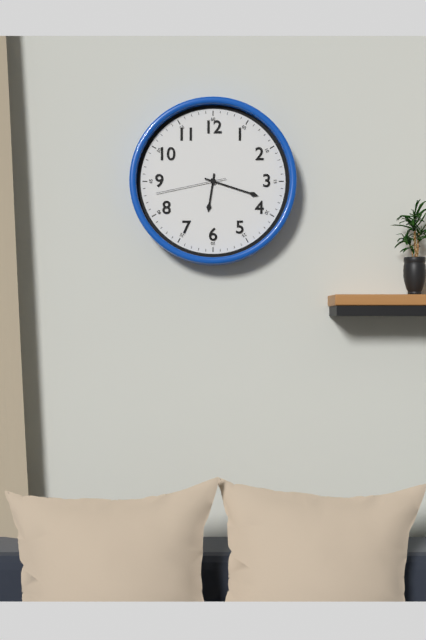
{"hour": 6, "minute": 18, "second": 43}
